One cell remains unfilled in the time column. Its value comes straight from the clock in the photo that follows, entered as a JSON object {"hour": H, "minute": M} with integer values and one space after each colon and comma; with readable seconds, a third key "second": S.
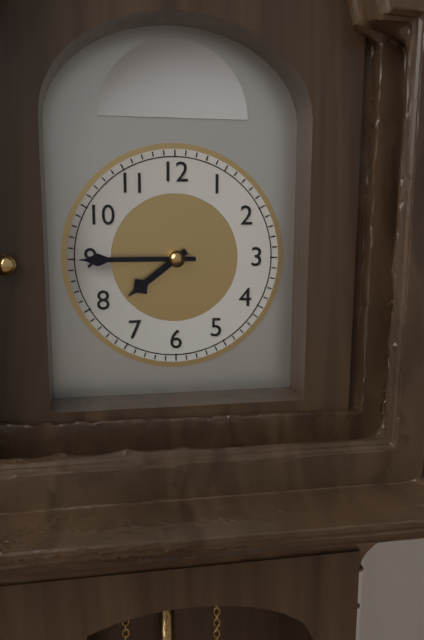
{"hour": 7, "minute": 45}
